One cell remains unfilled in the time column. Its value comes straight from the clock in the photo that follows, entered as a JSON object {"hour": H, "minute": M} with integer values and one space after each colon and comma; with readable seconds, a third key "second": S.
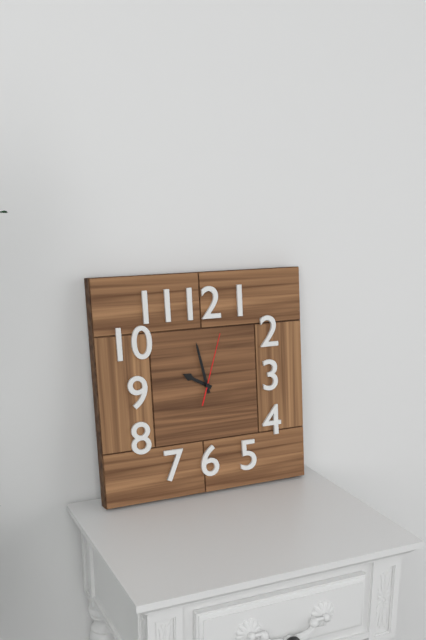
{"hour": 9, "minute": 58, "second": 3}
